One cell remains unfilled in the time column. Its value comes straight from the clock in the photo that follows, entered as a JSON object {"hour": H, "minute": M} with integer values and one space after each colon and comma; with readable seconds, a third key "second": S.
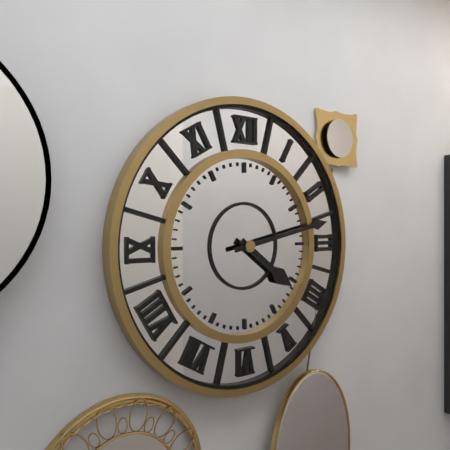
{"hour": 4, "minute": 13}
